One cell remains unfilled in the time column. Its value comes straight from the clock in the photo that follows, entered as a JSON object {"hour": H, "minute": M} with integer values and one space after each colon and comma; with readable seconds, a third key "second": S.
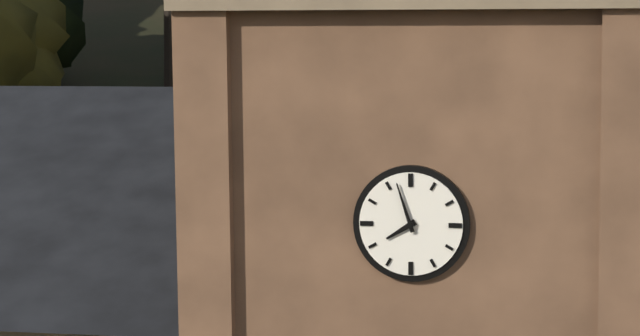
{"hour": 7, "minute": 57}
